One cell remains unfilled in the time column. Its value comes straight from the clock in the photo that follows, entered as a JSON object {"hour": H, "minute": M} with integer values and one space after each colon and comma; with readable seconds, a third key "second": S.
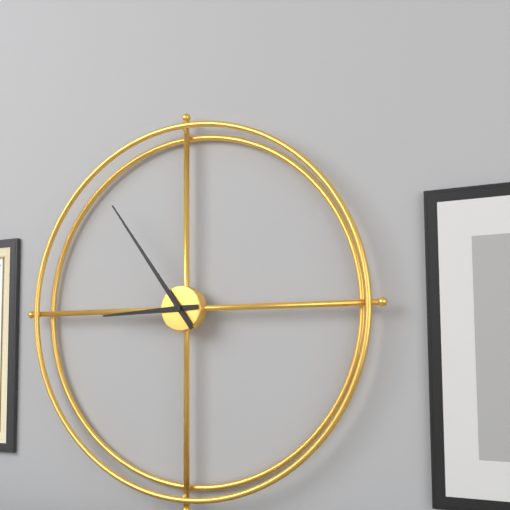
{"hour": 8, "minute": 54}
